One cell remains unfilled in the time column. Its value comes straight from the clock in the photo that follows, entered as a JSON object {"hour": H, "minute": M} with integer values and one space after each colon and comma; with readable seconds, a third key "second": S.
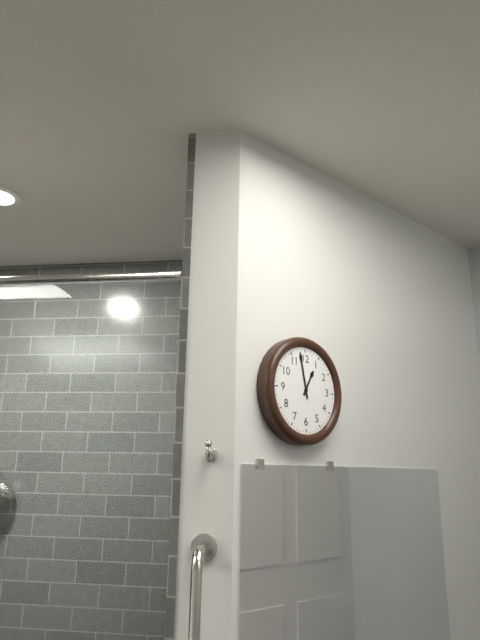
{"hour": 12, "minute": 58}
